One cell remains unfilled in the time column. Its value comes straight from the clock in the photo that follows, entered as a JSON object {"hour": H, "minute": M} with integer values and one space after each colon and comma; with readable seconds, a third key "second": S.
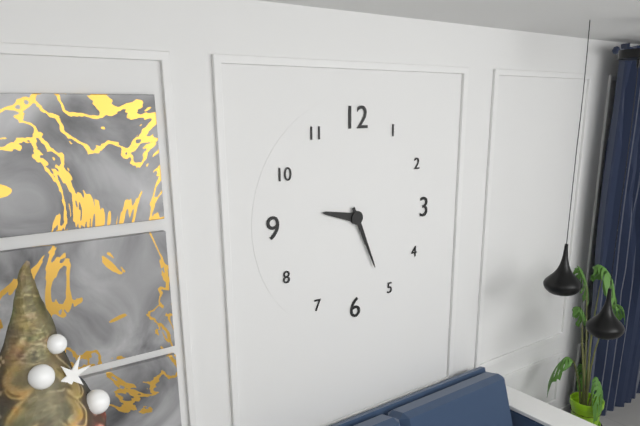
{"hour": 9, "minute": 26}
